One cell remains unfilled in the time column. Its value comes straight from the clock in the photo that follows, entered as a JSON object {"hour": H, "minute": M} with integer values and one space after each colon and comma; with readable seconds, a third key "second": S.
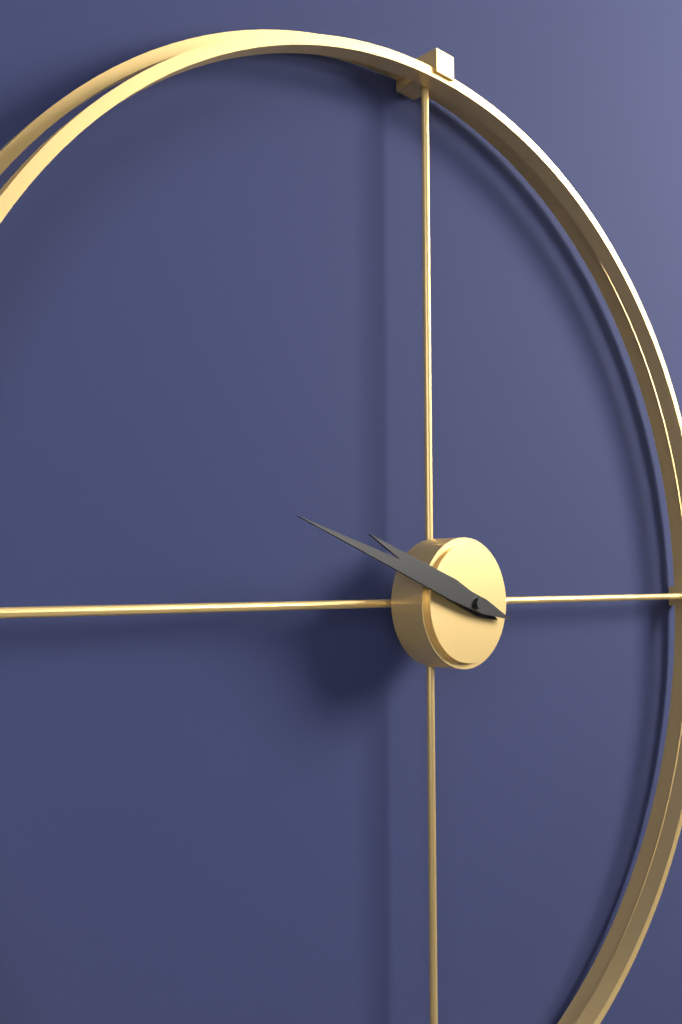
{"hour": 9, "minute": 48}
